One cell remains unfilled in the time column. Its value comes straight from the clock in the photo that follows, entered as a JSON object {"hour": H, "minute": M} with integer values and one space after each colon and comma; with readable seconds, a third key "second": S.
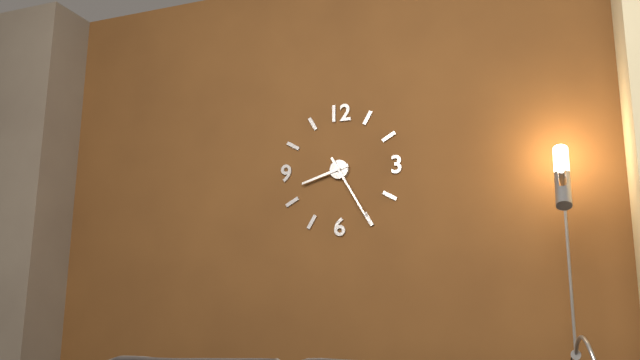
{"hour": 8, "minute": 25}
